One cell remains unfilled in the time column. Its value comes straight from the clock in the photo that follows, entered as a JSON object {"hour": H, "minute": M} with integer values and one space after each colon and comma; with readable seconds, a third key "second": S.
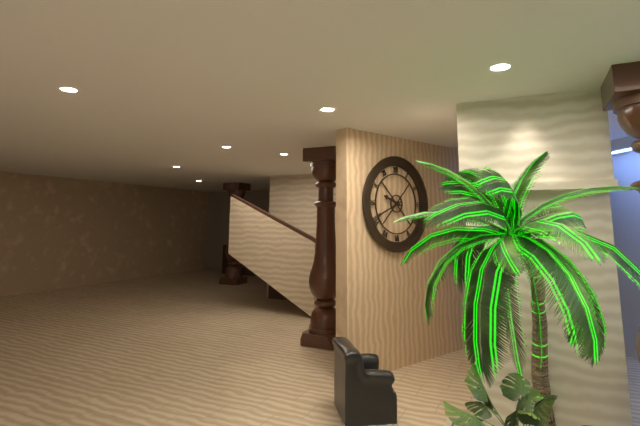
{"hour": 9, "minute": 41}
